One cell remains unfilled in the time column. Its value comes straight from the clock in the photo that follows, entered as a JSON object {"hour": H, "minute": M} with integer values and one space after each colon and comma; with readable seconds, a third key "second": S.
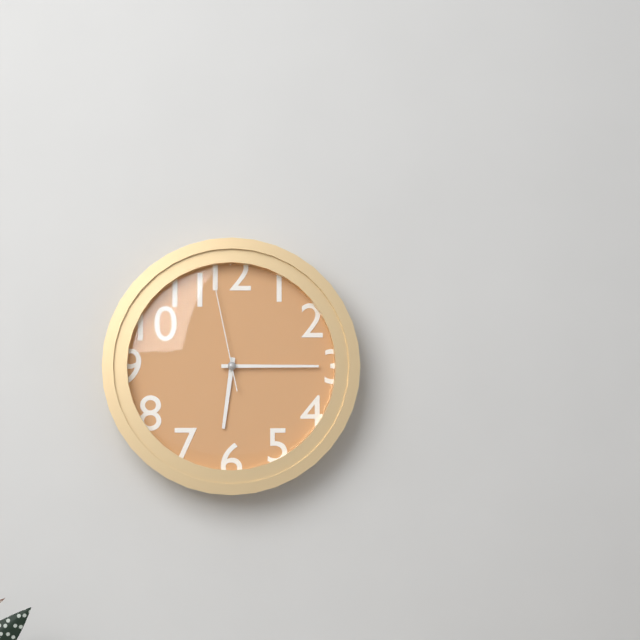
{"hour": 6, "minute": 15, "second": 58}
